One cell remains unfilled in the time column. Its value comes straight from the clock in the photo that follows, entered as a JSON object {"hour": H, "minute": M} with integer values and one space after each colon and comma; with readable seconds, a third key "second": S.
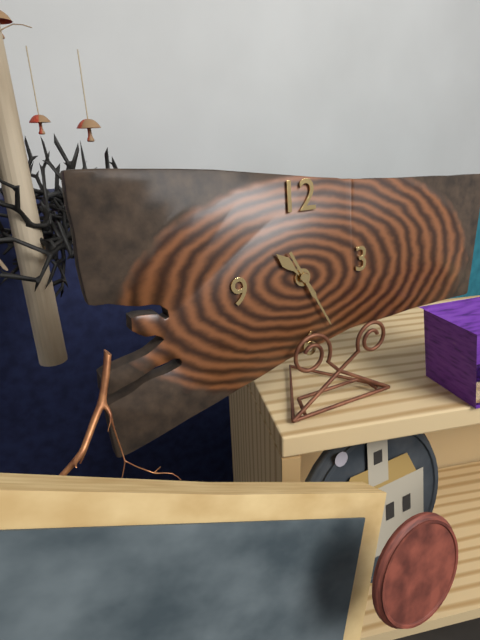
{"hour": 10, "minute": 25}
